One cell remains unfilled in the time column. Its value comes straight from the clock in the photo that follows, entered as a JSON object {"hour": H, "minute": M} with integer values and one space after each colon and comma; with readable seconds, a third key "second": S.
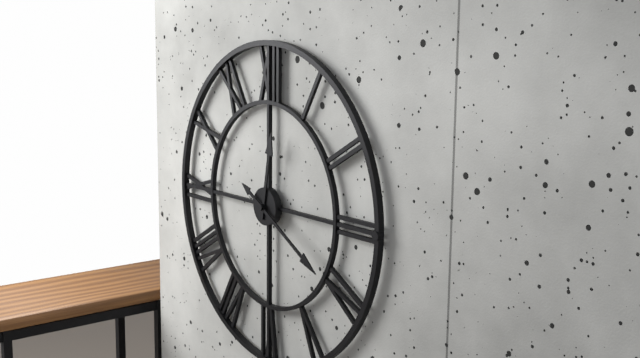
{"hour": 12, "minute": 20}
